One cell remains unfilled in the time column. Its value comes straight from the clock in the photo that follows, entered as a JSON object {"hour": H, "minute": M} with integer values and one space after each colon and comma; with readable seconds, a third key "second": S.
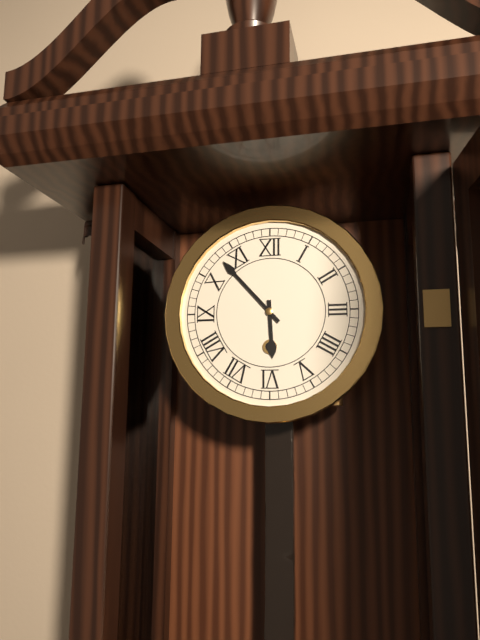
{"hour": 5, "minute": 53}
